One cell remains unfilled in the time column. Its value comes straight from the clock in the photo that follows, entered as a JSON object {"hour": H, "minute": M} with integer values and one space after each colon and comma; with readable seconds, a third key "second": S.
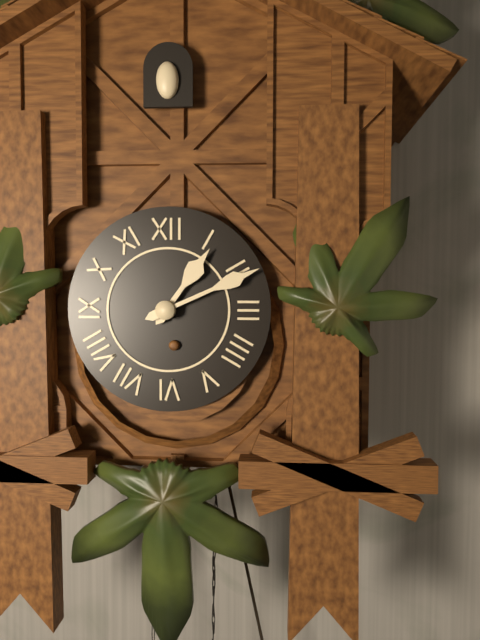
{"hour": 1, "minute": 11}
